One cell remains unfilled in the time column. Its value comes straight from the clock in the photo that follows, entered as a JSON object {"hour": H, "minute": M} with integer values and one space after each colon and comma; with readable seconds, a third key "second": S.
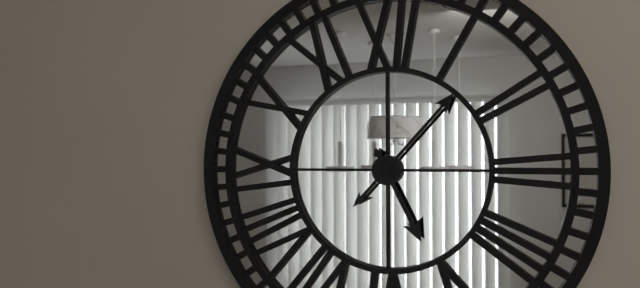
{"hour": 5, "minute": 7}
